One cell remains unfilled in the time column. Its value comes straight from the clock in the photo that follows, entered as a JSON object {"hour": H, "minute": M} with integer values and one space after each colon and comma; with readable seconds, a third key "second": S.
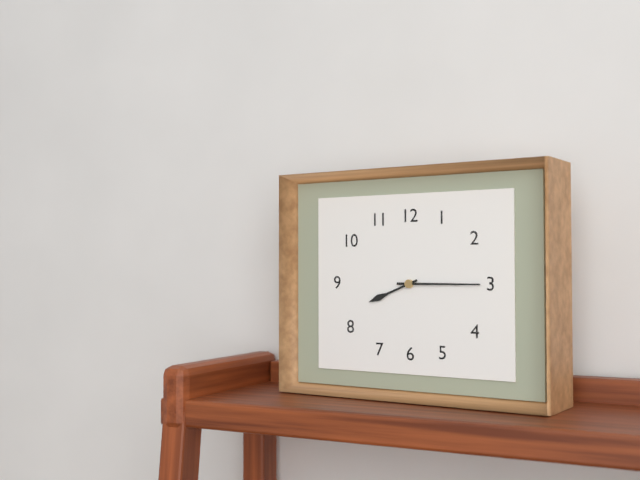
{"hour": 8, "minute": 15}
